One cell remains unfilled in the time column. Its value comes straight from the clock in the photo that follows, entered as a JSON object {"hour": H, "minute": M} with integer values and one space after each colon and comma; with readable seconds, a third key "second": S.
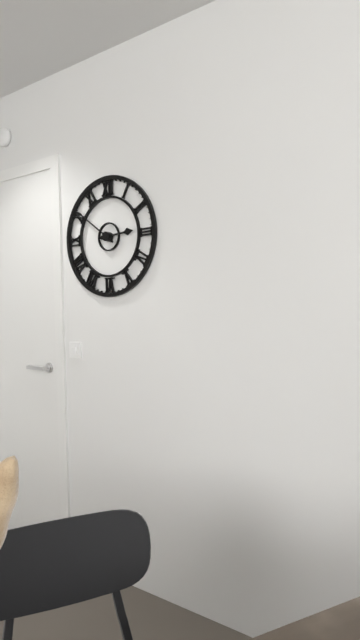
{"hour": 2, "minute": 51}
